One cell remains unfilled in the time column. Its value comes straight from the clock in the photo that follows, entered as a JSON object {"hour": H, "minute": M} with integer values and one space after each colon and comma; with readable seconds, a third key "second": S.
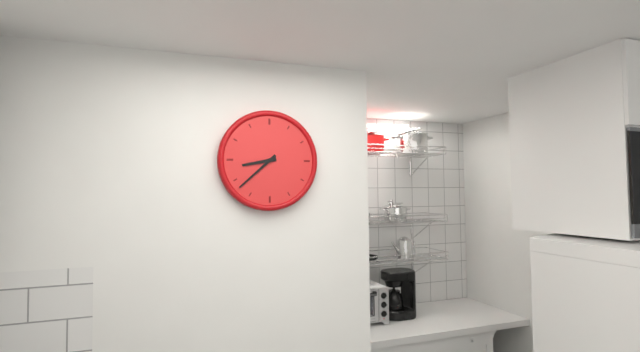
{"hour": 8, "minute": 38}
